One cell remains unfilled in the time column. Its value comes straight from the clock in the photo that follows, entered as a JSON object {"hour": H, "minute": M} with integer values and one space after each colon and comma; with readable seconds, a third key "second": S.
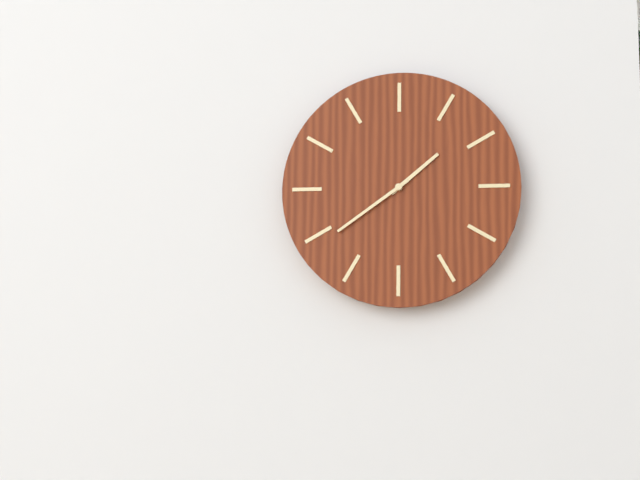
{"hour": 1, "minute": 39}
